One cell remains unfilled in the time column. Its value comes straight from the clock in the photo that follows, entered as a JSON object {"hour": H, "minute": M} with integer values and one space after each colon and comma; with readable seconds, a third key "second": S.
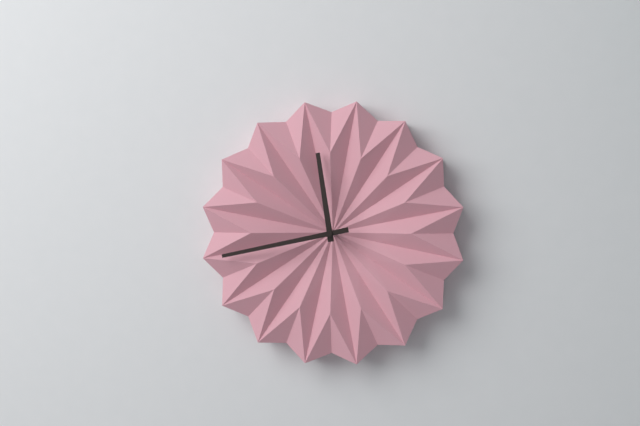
{"hour": 11, "minute": 43}
